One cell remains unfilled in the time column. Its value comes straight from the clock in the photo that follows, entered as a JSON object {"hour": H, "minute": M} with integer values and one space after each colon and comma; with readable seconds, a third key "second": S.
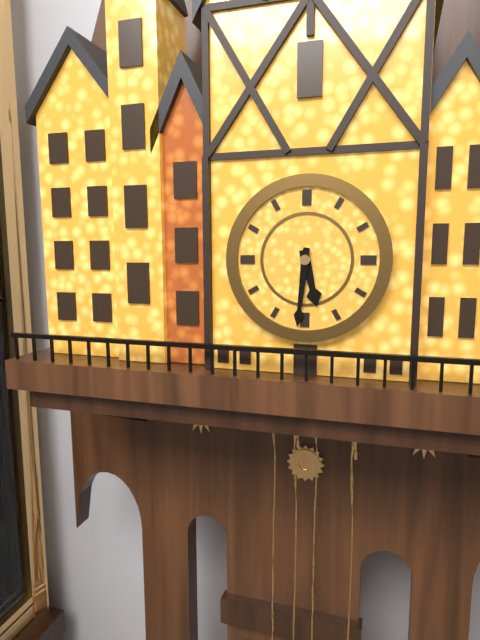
{"hour": 5, "minute": 31}
